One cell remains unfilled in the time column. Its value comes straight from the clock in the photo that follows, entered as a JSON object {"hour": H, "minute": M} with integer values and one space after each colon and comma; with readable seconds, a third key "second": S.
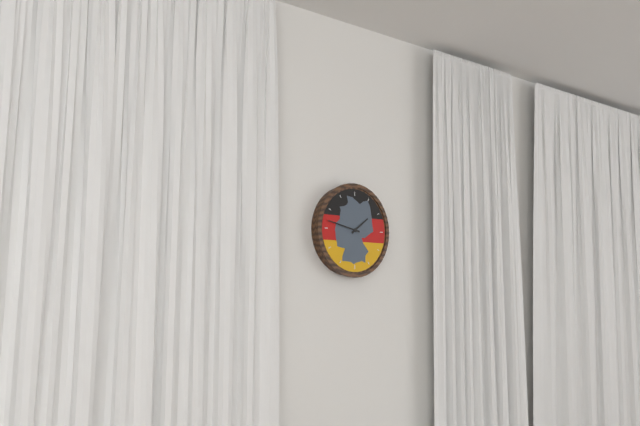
{"hour": 1, "minute": 47}
